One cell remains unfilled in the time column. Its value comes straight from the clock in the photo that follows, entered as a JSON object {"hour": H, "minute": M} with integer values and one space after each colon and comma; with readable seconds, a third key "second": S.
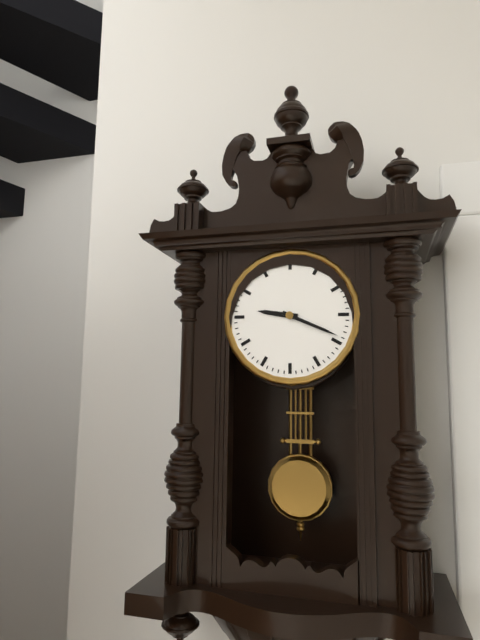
{"hour": 9, "minute": 19}
